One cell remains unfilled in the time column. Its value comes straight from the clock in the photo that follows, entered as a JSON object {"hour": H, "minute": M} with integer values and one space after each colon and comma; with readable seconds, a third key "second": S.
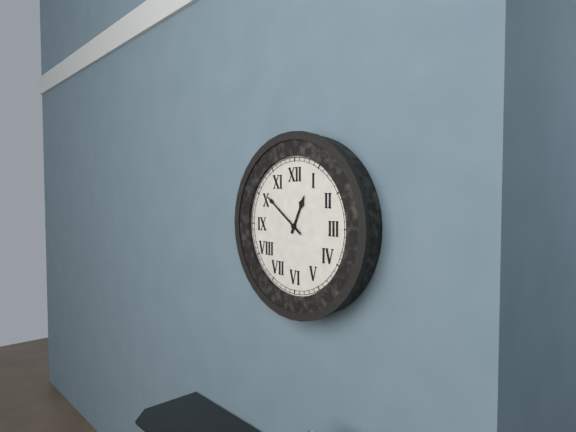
{"hour": 12, "minute": 51}
